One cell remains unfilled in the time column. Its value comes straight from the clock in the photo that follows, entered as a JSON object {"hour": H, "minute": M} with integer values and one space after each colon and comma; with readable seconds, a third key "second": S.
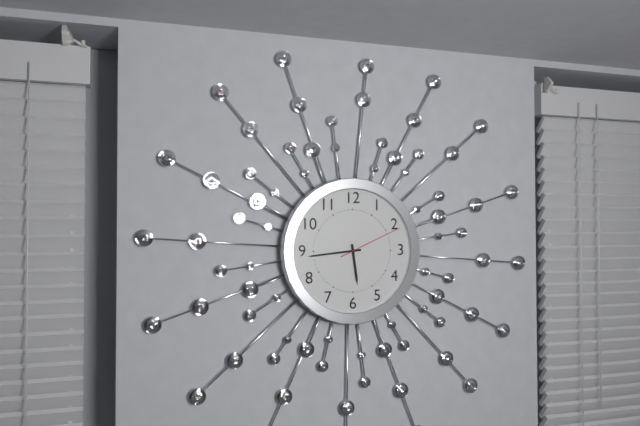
{"hour": 5, "minute": 44, "second": 11}
